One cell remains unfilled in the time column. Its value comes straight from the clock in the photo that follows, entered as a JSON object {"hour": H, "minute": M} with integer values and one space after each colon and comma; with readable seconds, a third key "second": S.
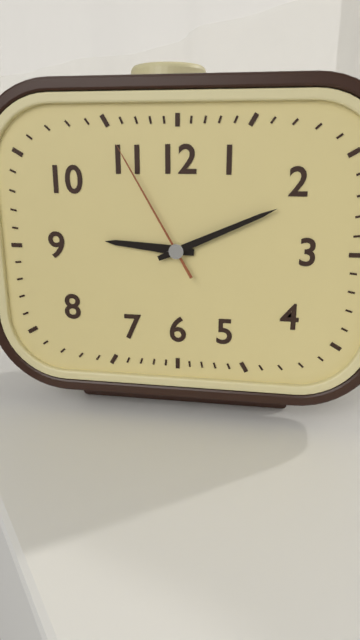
{"hour": 9, "minute": 11, "second": 55}
